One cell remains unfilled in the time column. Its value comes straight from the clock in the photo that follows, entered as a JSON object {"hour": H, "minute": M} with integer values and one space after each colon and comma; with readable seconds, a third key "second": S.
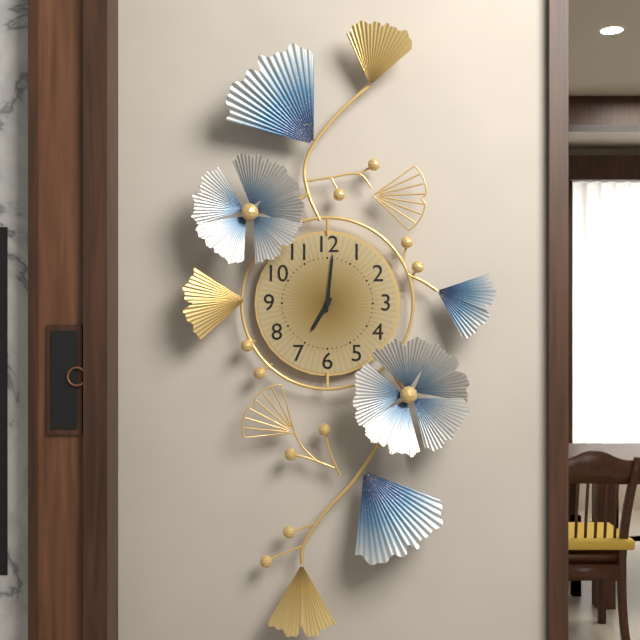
{"hour": 7, "minute": 1}
